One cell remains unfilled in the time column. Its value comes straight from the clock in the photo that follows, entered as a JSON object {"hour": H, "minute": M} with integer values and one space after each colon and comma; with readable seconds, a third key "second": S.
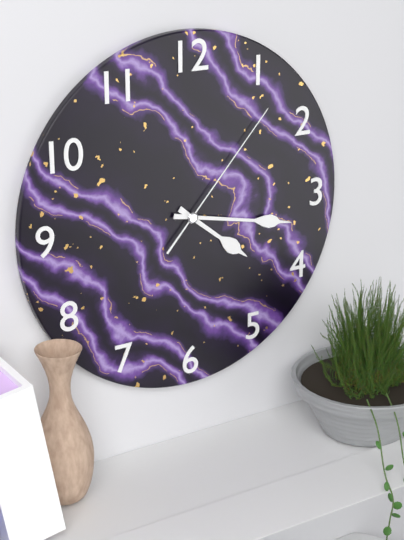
{"hour": 4, "minute": 17, "second": 7}
